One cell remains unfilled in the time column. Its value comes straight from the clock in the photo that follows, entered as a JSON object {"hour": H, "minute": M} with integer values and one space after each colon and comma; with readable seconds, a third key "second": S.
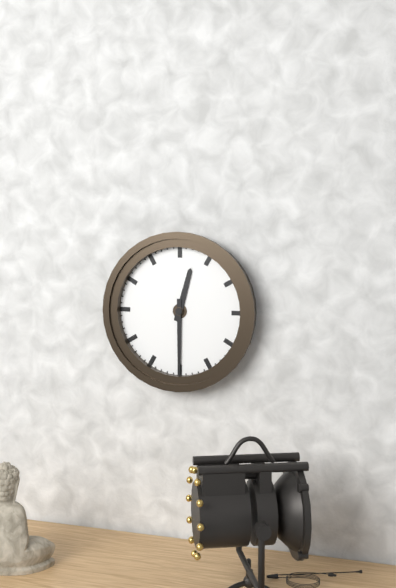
{"hour": 12, "minute": 30}
